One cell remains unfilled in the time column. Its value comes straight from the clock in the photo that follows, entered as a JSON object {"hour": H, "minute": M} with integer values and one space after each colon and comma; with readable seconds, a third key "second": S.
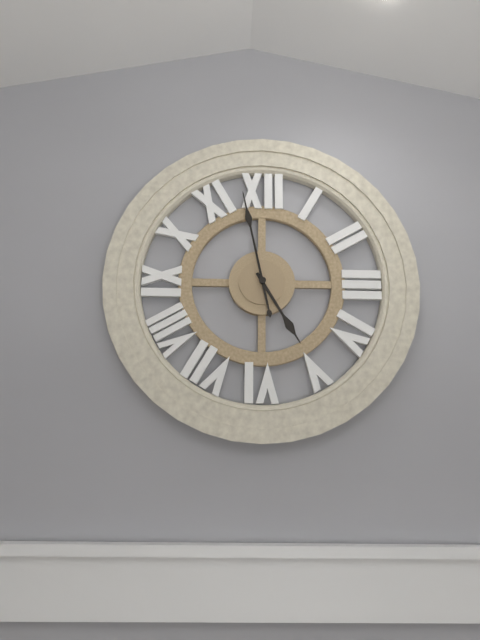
{"hour": 4, "minute": 58}
